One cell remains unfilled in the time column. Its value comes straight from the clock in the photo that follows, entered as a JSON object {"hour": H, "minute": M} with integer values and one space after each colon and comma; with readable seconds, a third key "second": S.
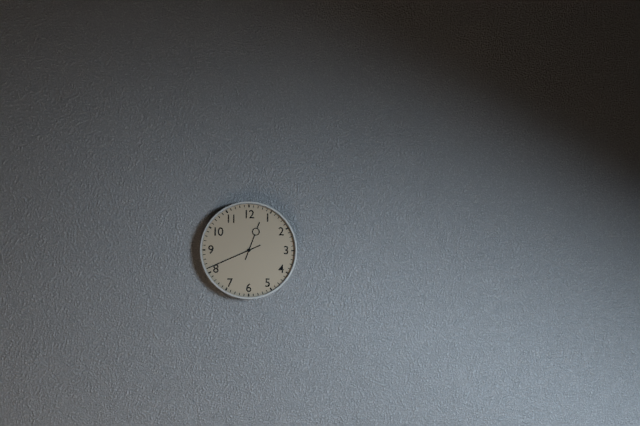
{"hour": 12, "minute": 41}
